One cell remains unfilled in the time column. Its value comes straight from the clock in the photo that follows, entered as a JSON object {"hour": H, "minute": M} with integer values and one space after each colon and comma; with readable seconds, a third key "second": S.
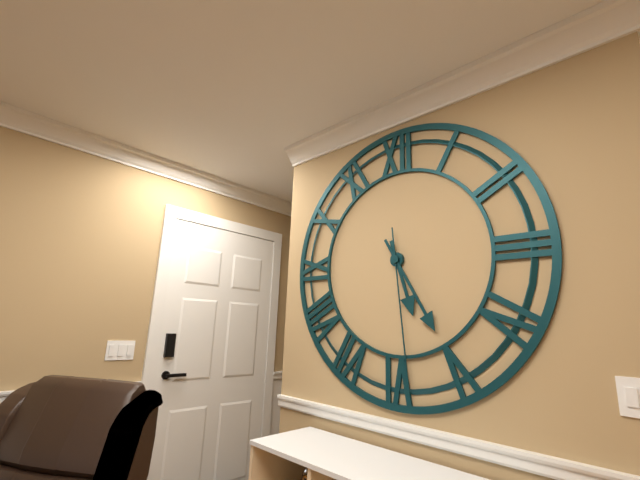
{"hour": 5, "minute": 25, "second": 29}
